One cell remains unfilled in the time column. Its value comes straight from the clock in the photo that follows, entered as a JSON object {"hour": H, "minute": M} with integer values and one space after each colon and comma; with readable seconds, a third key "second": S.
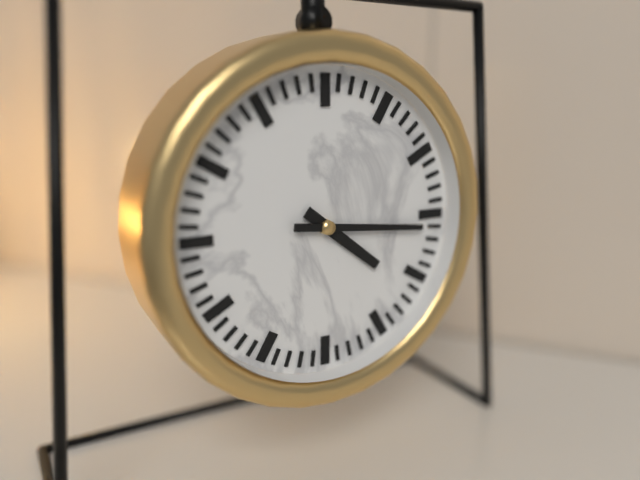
{"hour": 4, "minute": 16}
